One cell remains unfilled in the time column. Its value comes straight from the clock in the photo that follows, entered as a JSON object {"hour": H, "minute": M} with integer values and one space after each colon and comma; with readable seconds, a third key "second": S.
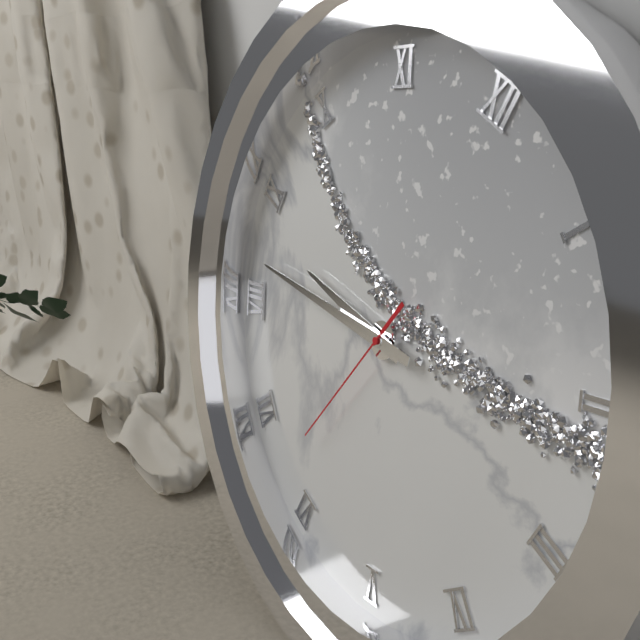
{"hour": 8, "minute": 42, "second": 32}
